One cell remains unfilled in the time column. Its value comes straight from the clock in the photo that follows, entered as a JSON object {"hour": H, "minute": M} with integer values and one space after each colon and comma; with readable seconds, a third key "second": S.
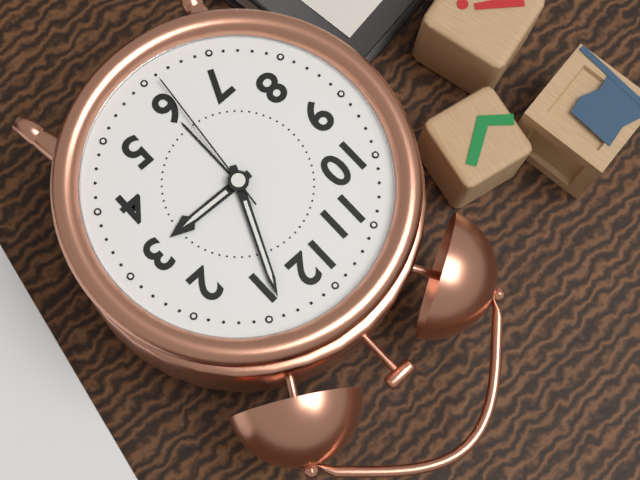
{"hour": 3, "minute": 4, "second": 31}
